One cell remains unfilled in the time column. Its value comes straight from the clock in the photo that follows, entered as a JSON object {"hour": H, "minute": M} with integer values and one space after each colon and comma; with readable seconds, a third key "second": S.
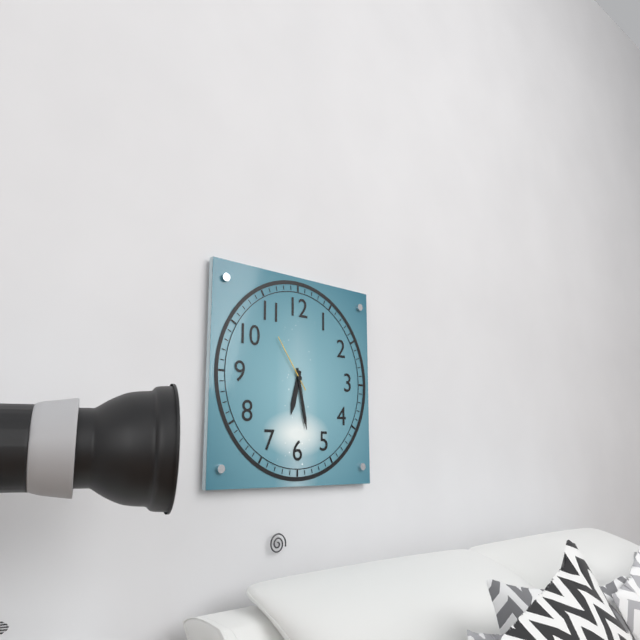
{"hour": 6, "minute": 28, "second": 54}
